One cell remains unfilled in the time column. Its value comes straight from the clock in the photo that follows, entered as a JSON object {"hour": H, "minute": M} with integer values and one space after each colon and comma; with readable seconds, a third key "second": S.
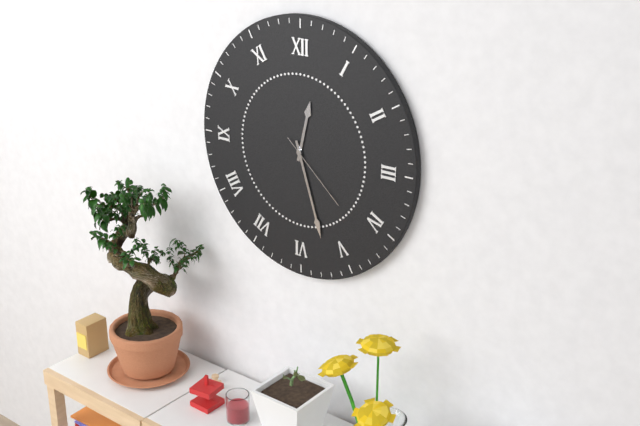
{"hour": 12, "minute": 27, "second": 22}
